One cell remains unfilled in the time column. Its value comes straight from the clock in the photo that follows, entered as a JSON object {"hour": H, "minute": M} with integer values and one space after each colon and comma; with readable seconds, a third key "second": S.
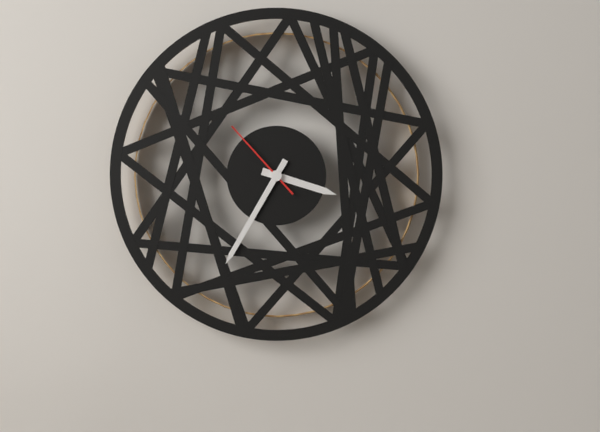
{"hour": 3, "minute": 35, "second": 53}
